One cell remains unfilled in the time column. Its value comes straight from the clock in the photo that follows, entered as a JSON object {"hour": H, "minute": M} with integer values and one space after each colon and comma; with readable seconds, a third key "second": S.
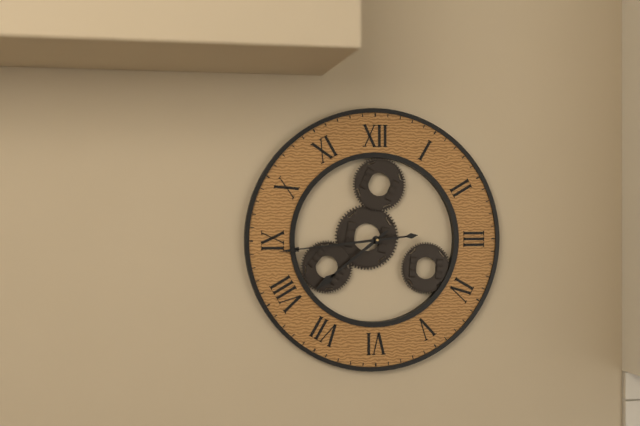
{"hour": 7, "minute": 44}
